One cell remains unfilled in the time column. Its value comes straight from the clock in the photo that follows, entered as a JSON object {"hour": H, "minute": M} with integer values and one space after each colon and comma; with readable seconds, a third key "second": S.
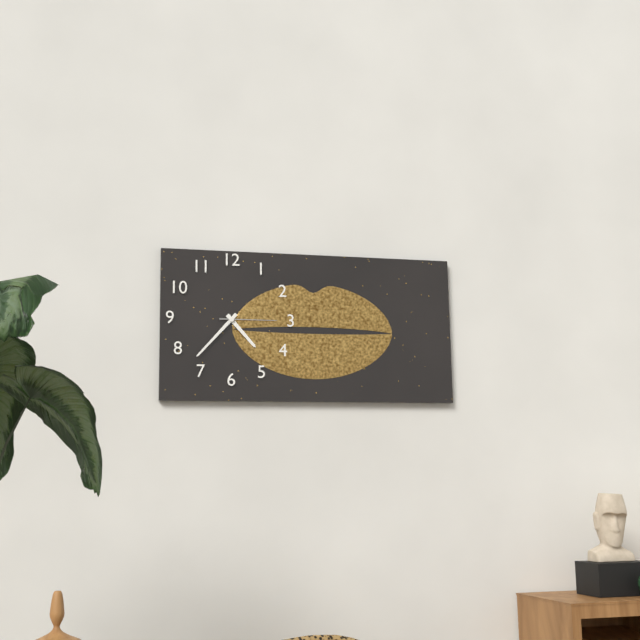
{"hour": 4, "minute": 37, "second": 15}
